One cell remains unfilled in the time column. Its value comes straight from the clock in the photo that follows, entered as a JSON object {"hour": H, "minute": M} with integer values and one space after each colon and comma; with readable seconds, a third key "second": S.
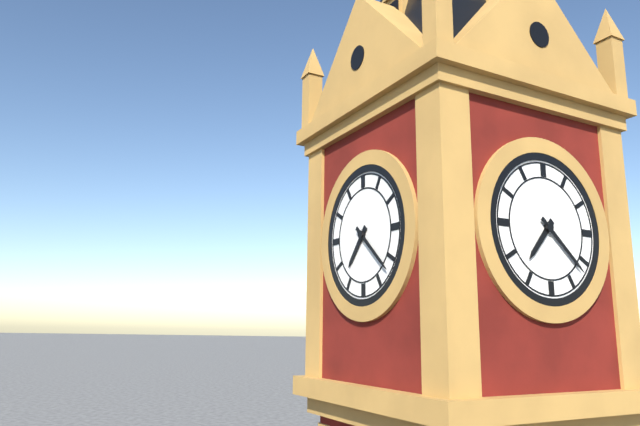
{"hour": 7, "minute": 22}
